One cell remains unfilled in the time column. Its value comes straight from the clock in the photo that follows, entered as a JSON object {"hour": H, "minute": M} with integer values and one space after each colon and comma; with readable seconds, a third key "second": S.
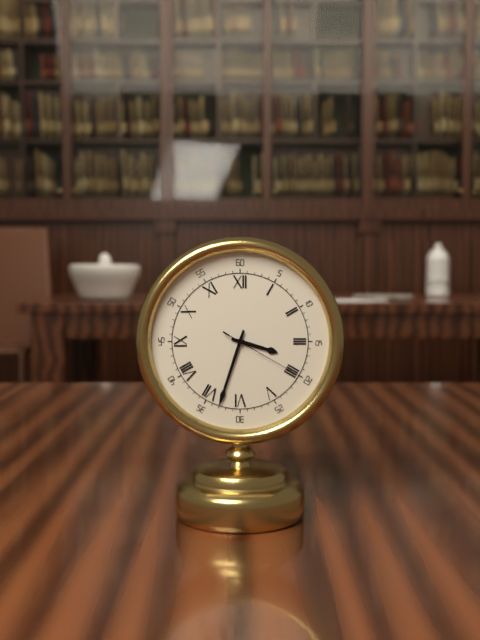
{"hour": 3, "minute": 33, "second": 20}
